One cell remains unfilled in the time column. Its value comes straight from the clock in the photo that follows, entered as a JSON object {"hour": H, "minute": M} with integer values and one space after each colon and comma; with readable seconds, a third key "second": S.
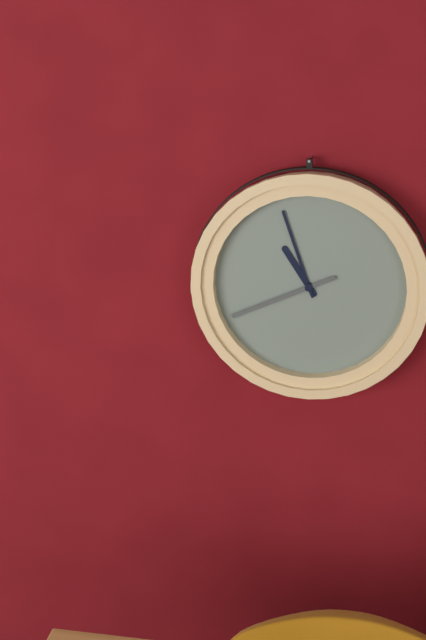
{"hour": 10, "minute": 57, "second": 41}
